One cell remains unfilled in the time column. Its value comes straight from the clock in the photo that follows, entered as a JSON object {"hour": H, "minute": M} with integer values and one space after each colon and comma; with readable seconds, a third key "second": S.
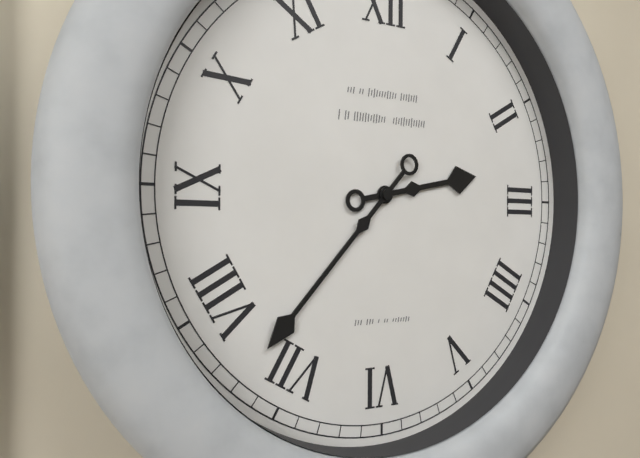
{"hour": 2, "minute": 37}
